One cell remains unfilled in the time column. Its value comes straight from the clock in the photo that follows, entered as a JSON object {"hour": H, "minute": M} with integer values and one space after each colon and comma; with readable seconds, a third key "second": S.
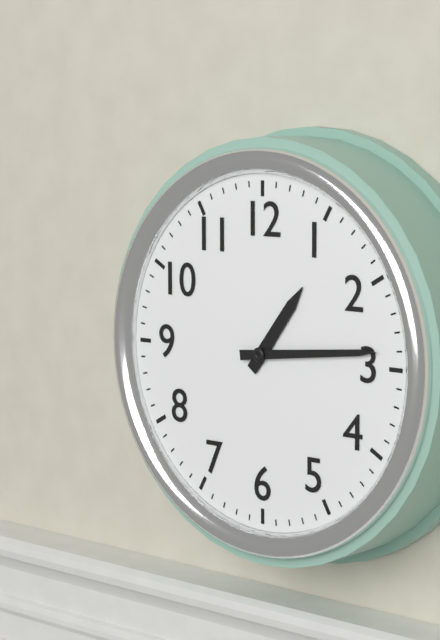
{"hour": 1, "minute": 14}
